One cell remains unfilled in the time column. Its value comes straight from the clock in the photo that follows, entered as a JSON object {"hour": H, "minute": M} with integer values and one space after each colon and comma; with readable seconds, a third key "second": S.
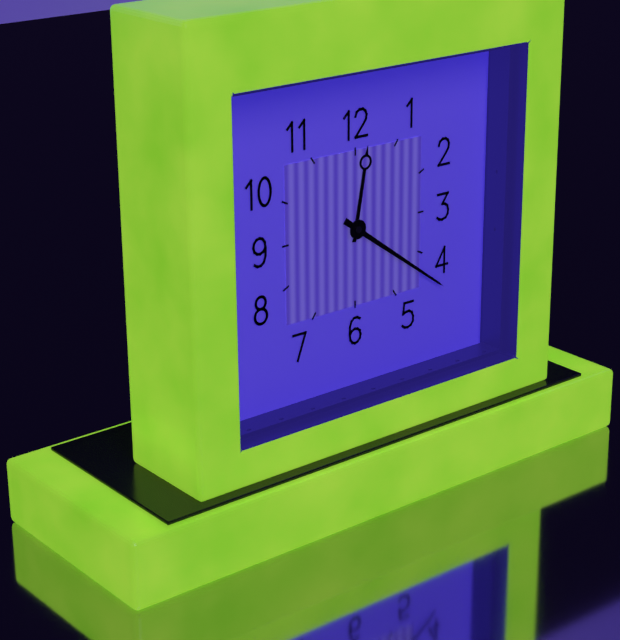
{"hour": 12, "minute": 21}
